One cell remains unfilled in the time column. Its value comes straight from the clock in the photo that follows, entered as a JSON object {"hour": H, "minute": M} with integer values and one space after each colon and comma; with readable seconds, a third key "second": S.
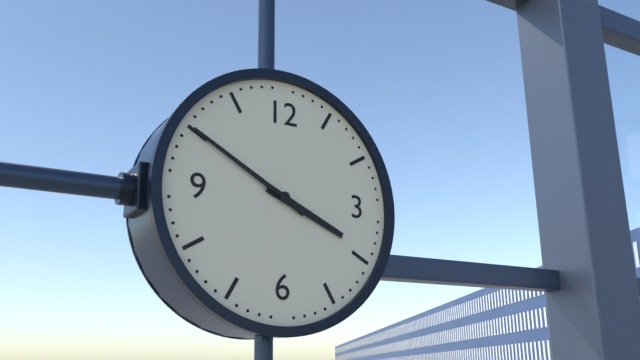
{"hour": 3, "minute": 50}
